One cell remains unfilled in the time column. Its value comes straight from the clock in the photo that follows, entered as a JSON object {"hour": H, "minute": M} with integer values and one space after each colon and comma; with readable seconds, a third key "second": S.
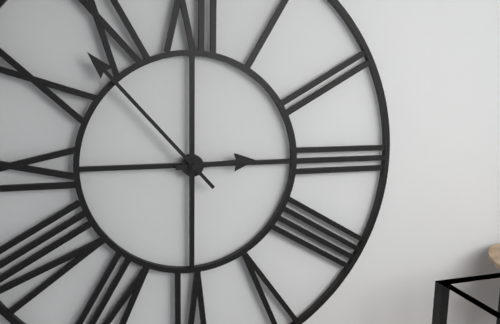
{"hour": 2, "minute": 53}
